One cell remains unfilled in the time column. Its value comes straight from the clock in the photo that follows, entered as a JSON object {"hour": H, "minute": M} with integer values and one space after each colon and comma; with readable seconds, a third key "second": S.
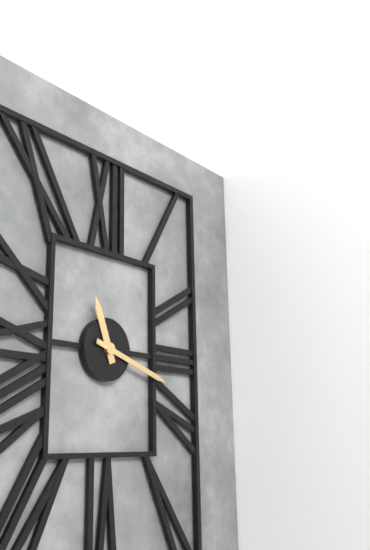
{"hour": 11, "minute": 18}
